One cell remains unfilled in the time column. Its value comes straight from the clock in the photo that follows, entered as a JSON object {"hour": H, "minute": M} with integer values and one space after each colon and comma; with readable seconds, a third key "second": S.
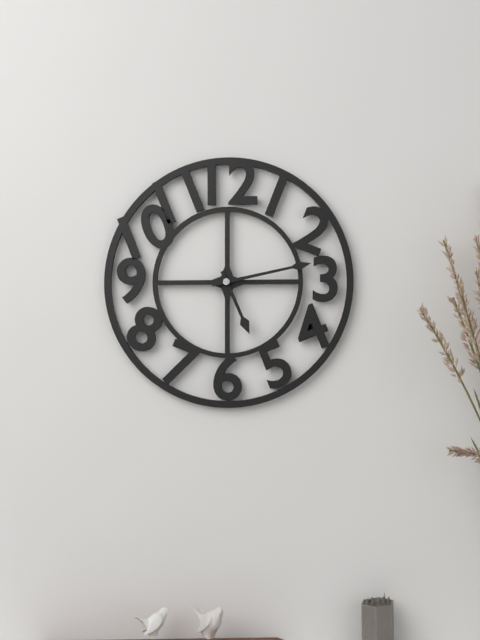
{"hour": 5, "minute": 13}
